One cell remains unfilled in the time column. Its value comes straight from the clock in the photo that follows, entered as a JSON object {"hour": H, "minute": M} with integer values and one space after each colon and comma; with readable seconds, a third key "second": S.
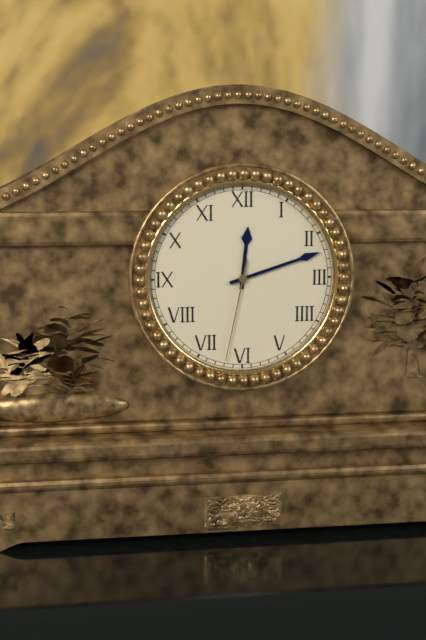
{"hour": 12, "minute": 12, "second": 32}
